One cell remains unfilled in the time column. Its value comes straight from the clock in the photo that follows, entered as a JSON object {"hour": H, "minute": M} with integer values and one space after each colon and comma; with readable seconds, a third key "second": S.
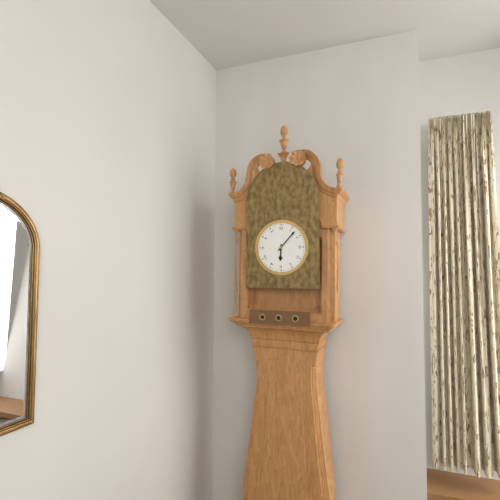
{"hour": 6, "minute": 7}
